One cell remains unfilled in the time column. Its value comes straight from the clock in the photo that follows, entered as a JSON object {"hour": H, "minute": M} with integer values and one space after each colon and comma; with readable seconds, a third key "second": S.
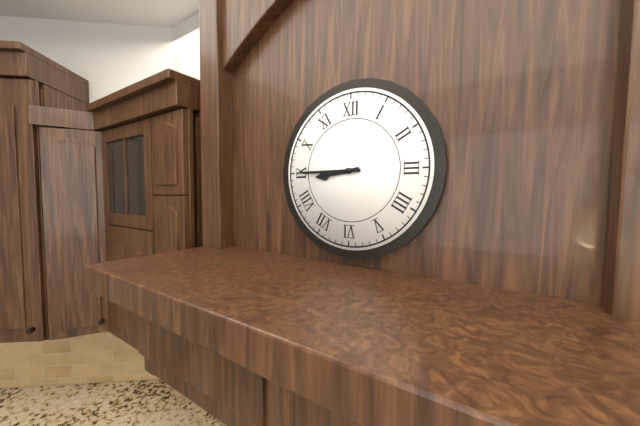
{"hour": 8, "minute": 45}
